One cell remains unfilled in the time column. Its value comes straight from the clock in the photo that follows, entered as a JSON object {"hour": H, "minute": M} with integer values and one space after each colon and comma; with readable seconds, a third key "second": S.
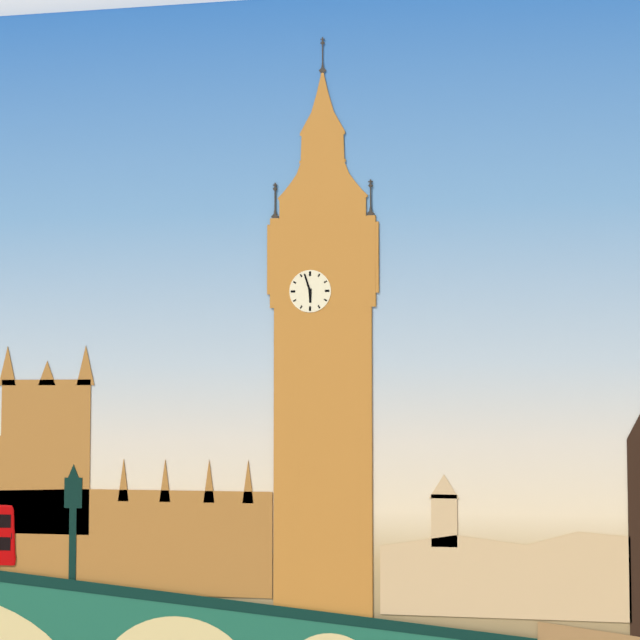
{"hour": 5, "minute": 57}
